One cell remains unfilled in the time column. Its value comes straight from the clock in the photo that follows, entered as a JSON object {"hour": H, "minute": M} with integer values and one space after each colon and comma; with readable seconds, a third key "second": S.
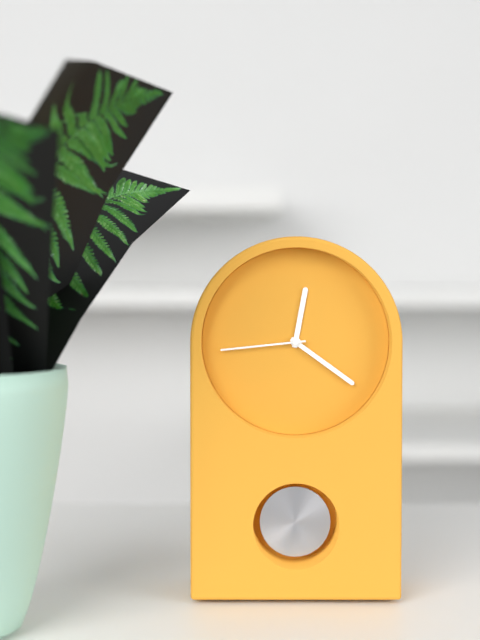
{"hour": 12, "minute": 21, "second": 44}
